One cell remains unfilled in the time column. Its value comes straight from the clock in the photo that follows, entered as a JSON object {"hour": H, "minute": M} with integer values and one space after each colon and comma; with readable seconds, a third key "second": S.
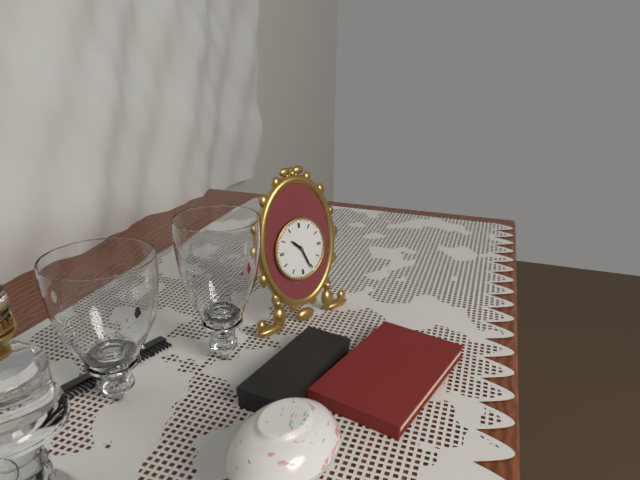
{"hour": 10, "minute": 26}
